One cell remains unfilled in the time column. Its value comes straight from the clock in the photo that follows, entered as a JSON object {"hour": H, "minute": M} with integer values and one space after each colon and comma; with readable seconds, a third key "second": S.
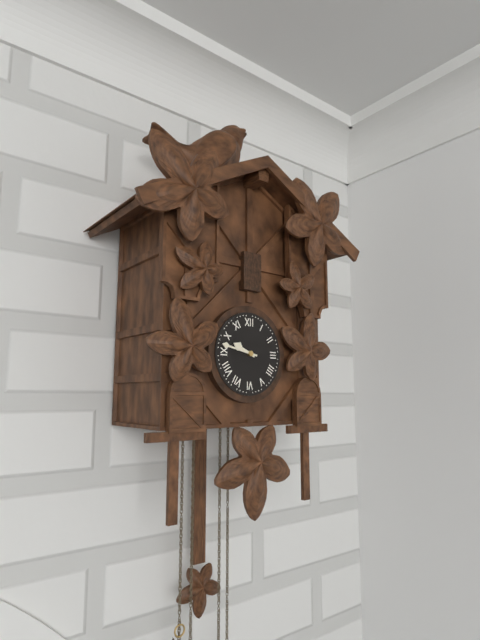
{"hour": 9, "minute": 47}
